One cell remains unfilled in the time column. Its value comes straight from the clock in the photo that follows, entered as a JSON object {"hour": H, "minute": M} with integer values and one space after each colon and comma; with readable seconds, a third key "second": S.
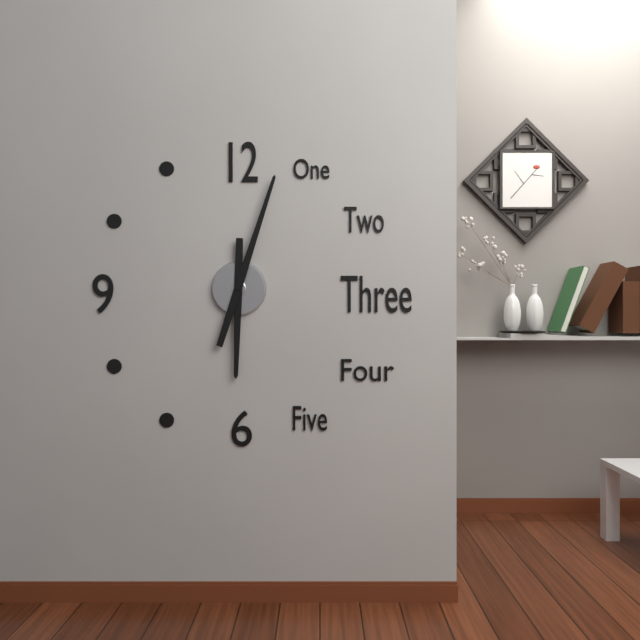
{"hour": 6, "minute": 3}
